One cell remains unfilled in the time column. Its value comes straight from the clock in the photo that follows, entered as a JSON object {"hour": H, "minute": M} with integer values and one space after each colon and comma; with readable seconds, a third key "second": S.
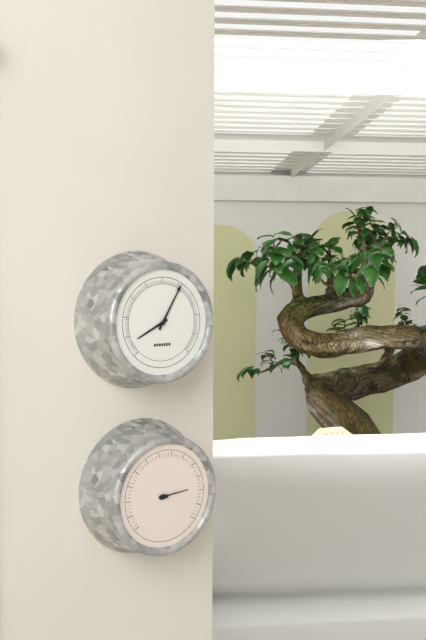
{"hour": 8, "minute": 5}
